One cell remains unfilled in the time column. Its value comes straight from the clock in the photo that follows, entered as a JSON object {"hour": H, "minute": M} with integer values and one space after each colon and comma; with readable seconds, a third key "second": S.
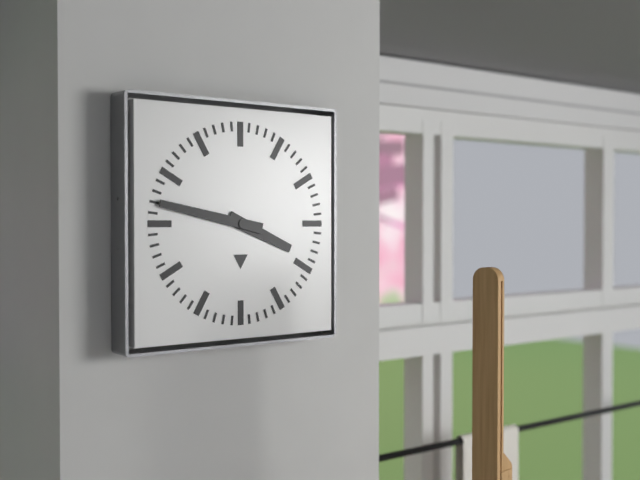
{"hour": 3, "minute": 47}
